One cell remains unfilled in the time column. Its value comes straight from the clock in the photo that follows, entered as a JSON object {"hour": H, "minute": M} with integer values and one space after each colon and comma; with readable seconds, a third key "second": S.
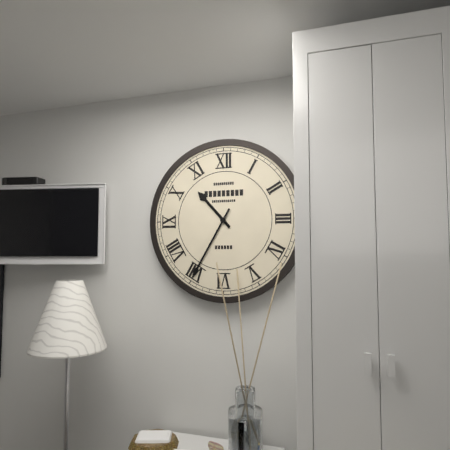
{"hour": 10, "minute": 35}
